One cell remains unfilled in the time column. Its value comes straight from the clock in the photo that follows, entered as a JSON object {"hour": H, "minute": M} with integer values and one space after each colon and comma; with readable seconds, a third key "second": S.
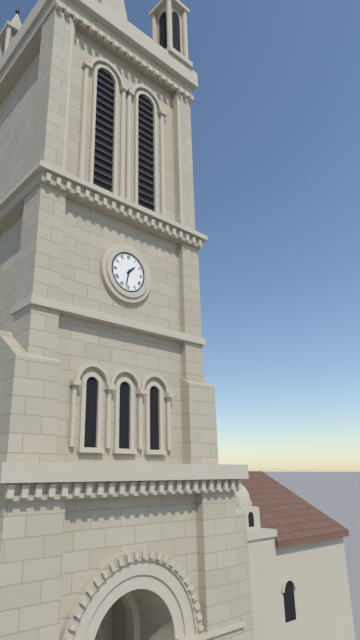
{"hour": 1, "minute": 32}
